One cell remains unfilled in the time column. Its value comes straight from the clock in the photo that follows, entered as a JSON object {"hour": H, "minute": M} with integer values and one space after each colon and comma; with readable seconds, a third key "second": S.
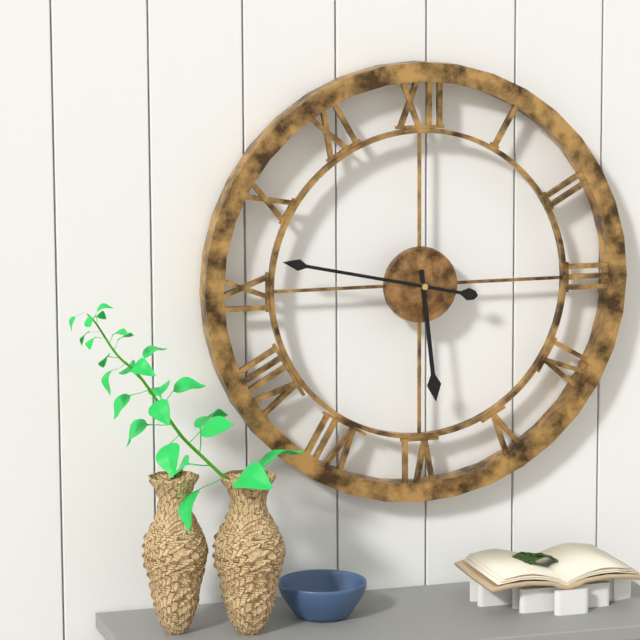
{"hour": 5, "minute": 47}
